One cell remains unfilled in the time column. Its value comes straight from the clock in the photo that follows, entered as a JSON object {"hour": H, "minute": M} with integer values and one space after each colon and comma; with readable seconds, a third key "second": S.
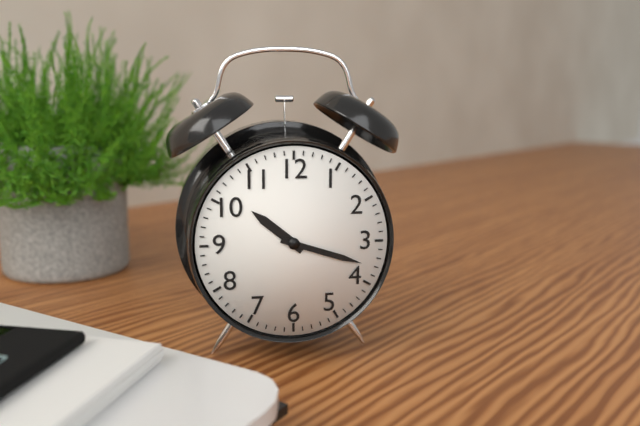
{"hour": 10, "minute": 18}
